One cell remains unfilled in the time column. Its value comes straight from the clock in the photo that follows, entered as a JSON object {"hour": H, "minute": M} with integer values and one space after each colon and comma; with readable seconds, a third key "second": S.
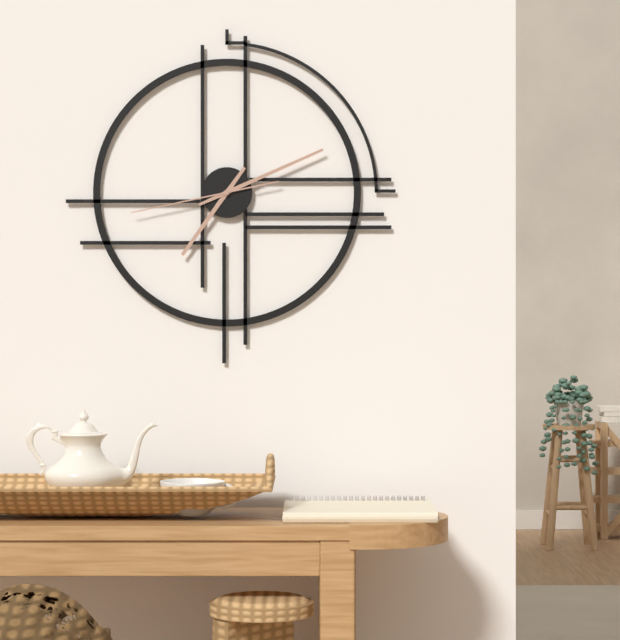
{"hour": 7, "minute": 11, "second": 43}
